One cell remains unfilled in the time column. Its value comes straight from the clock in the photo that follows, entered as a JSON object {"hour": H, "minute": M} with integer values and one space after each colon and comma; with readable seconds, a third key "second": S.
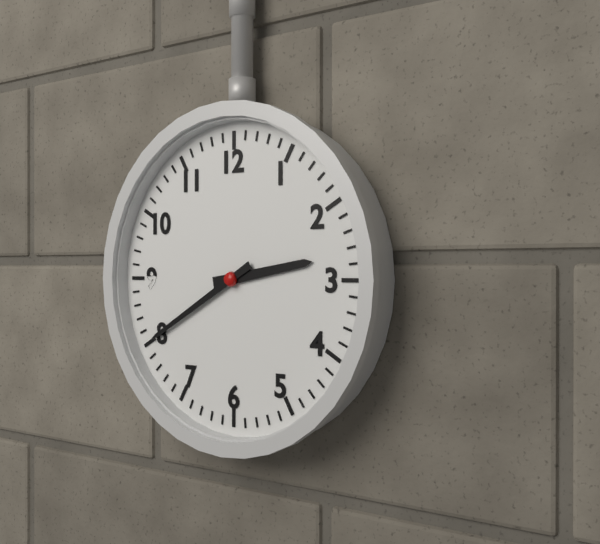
{"hour": 2, "minute": 40}
